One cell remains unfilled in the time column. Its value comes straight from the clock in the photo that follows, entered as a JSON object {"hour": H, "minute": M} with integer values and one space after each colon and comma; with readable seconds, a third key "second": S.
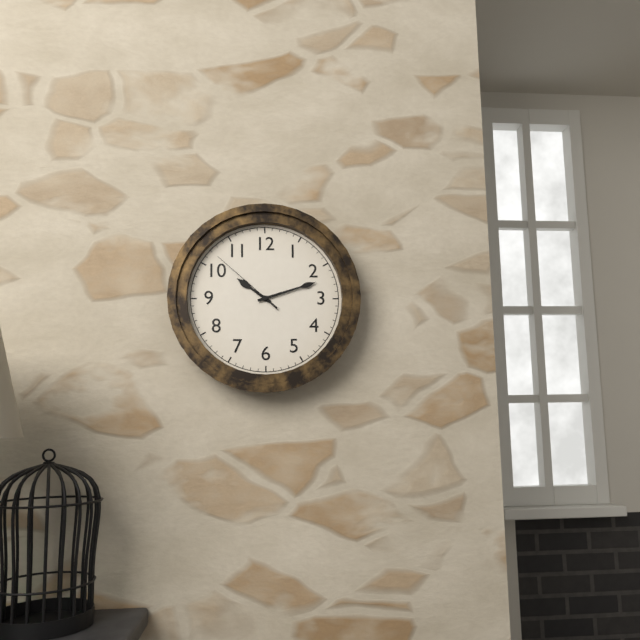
{"hour": 10, "minute": 12, "second": 52}
